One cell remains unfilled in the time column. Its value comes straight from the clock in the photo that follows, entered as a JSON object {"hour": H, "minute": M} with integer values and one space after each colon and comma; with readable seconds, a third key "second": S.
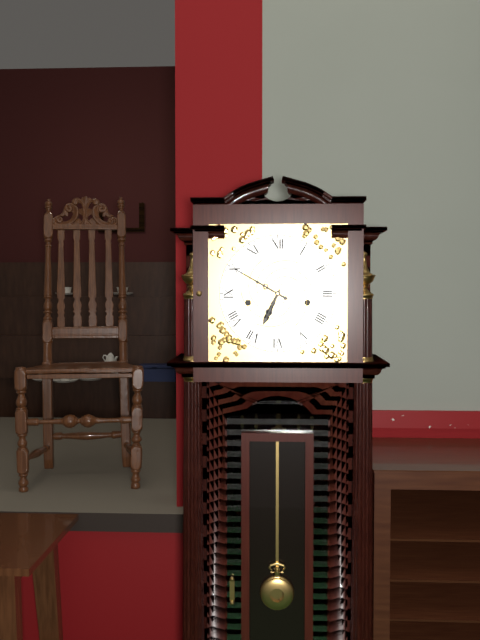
{"hour": 6, "minute": 50}
